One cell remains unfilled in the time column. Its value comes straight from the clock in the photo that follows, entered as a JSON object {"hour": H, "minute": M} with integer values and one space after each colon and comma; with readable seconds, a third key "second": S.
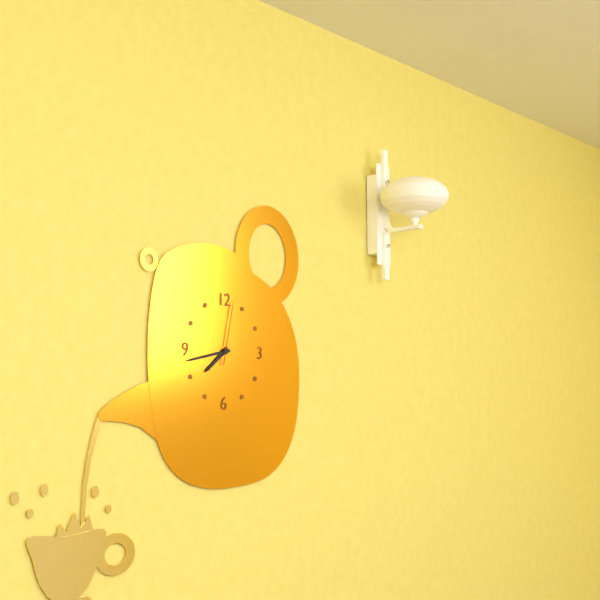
{"hour": 7, "minute": 43, "second": 2}
